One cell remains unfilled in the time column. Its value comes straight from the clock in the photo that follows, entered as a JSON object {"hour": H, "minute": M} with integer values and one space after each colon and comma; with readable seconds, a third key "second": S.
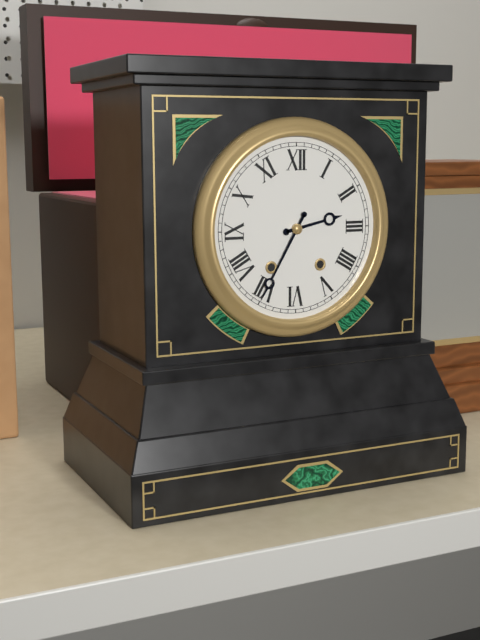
{"hour": 2, "minute": 35}
